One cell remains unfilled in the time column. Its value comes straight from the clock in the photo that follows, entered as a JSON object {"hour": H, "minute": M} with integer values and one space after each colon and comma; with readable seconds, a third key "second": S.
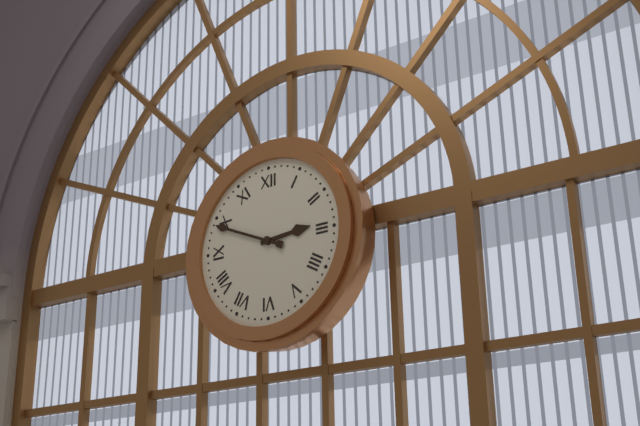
{"hour": 2, "minute": 49}
